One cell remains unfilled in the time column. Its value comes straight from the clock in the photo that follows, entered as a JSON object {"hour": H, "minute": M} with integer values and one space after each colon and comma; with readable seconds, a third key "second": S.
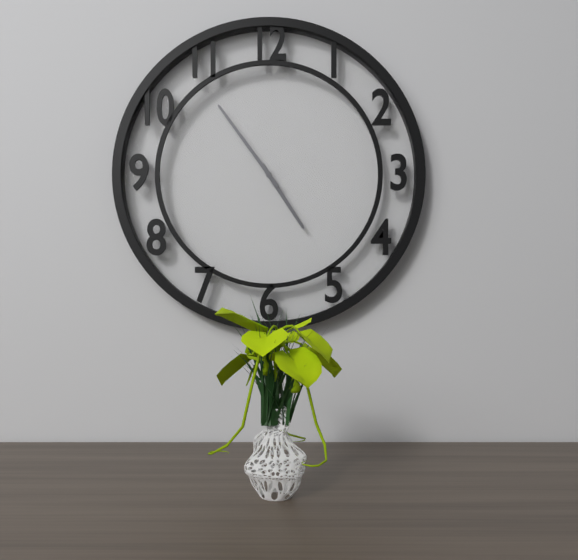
{"hour": 4, "minute": 54}
